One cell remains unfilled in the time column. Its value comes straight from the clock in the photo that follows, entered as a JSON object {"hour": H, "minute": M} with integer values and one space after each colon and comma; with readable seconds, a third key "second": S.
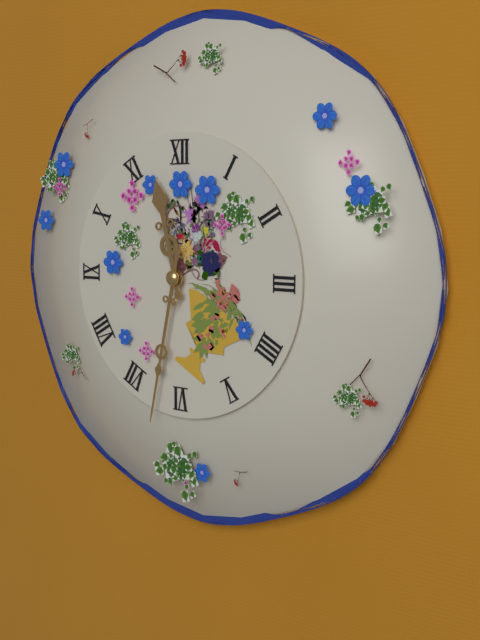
{"hour": 11, "minute": 32}
